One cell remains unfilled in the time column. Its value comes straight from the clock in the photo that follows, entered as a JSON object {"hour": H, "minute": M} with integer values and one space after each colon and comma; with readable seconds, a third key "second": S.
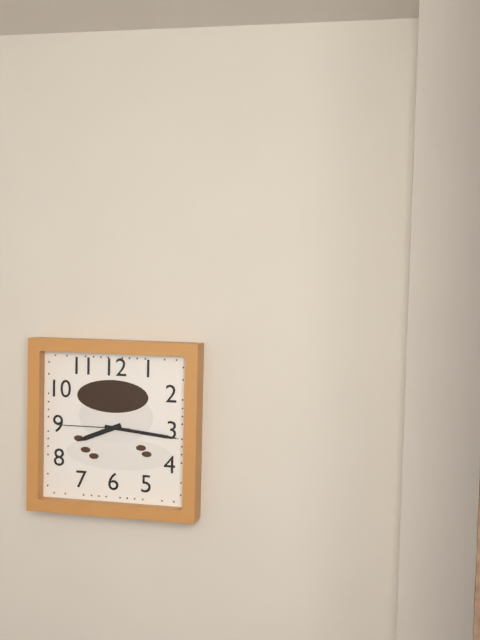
{"hour": 8, "minute": 16, "second": 45}
